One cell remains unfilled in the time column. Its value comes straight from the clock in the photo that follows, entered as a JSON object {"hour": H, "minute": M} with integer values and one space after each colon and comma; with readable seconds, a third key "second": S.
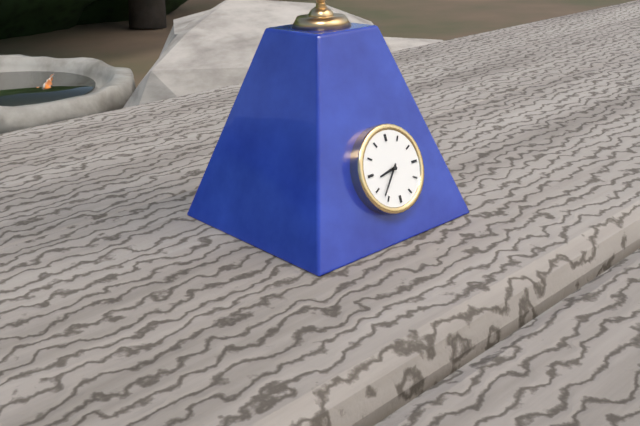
{"hour": 8, "minute": 37}
